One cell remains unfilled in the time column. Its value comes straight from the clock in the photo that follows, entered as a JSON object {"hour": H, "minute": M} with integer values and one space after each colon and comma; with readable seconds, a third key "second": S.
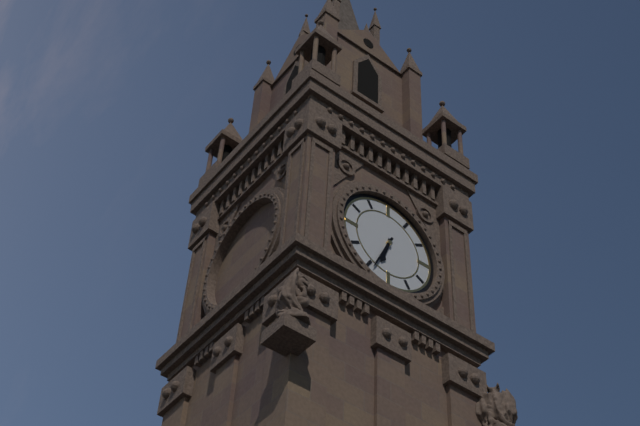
{"hour": 6, "minute": 34}
